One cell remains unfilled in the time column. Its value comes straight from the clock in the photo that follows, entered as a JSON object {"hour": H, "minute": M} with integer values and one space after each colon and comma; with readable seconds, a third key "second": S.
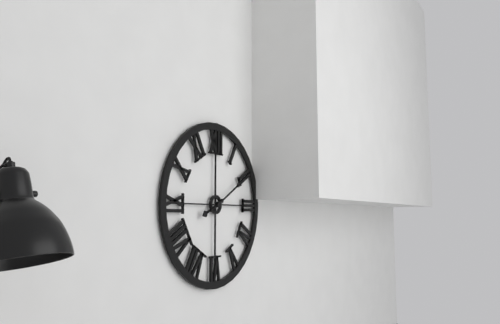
{"hour": 8, "minute": 10}
